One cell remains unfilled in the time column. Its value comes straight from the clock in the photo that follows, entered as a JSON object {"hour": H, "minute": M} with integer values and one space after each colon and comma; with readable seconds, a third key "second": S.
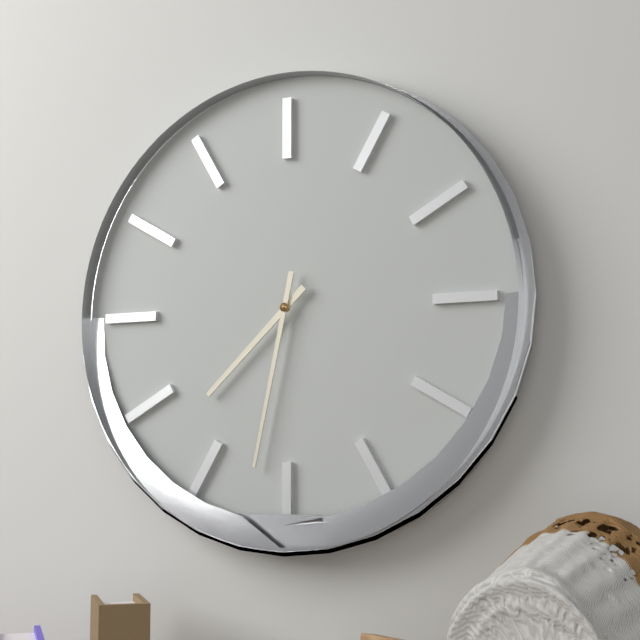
{"hour": 7, "minute": 32}
